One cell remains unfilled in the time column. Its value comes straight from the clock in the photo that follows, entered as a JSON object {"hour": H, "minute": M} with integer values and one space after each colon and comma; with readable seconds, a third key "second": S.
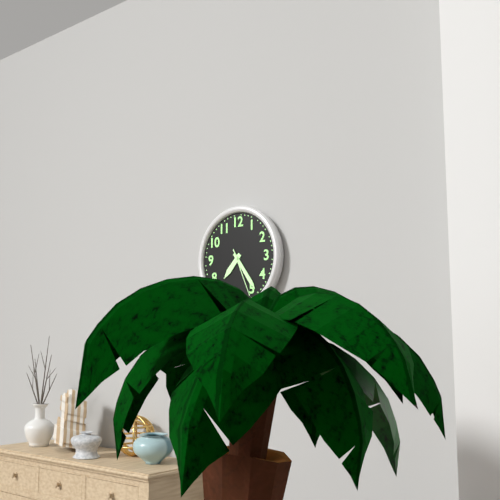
{"hour": 7, "minute": 24}
